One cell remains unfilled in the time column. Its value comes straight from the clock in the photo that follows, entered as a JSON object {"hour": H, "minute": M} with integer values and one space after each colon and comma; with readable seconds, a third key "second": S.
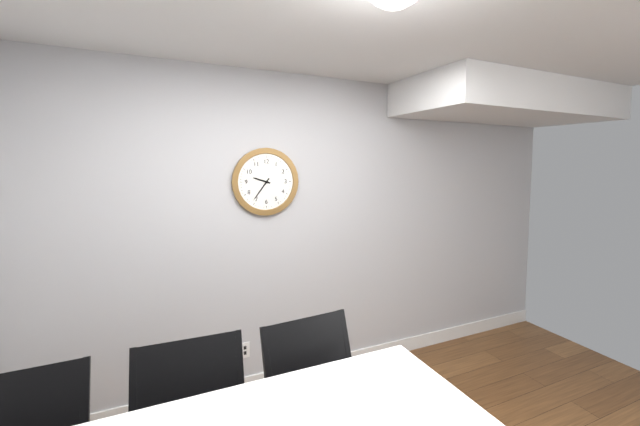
{"hour": 9, "minute": 36}
